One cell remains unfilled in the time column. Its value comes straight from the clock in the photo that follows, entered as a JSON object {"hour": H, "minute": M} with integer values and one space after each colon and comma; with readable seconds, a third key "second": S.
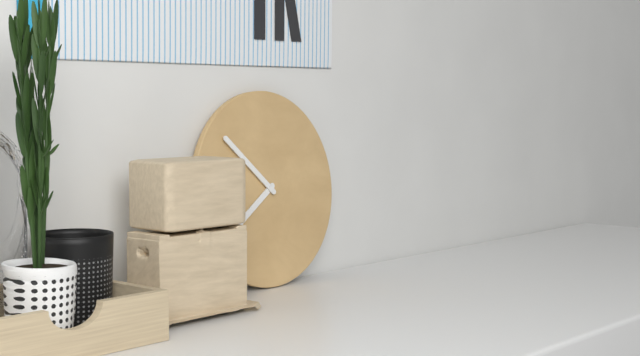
{"hour": 7, "minute": 52}
